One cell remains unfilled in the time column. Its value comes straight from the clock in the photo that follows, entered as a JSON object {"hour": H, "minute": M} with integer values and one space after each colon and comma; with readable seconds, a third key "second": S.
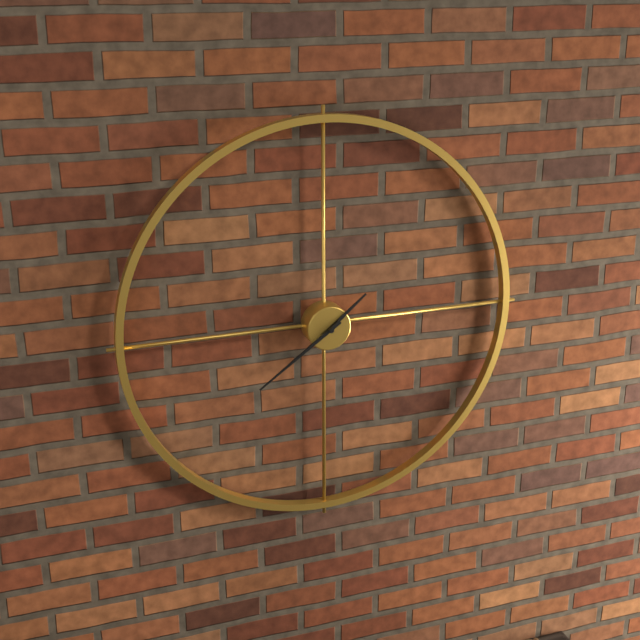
{"hour": 1, "minute": 39}
